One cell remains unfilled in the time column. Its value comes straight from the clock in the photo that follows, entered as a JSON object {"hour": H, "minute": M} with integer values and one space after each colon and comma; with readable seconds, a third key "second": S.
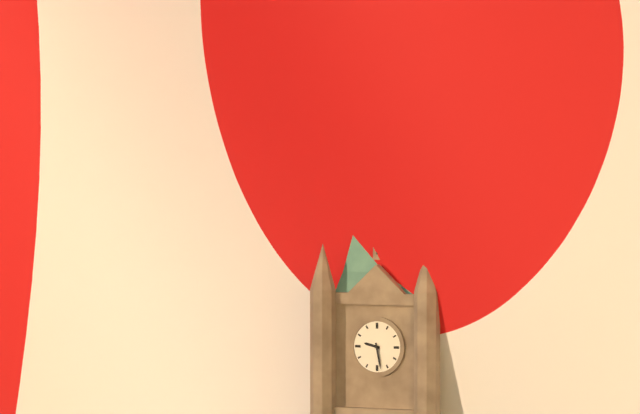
{"hour": 9, "minute": 28}
